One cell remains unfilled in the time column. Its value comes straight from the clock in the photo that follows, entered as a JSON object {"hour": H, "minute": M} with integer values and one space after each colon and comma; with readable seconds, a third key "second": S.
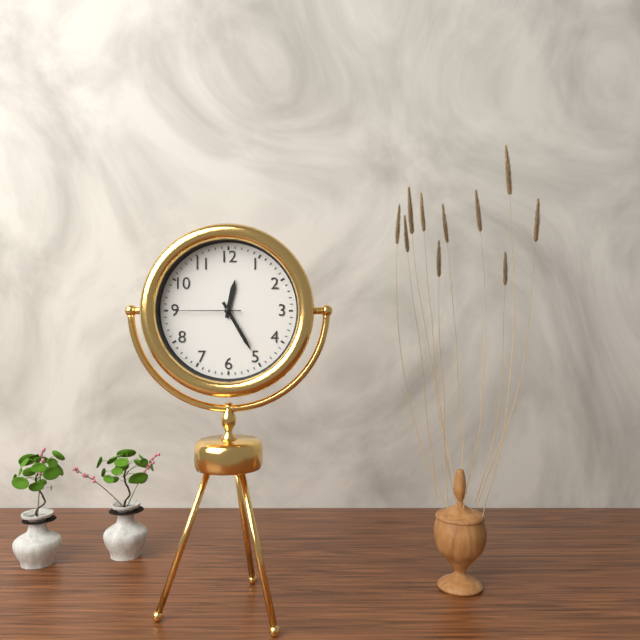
{"hour": 12, "minute": 25, "second": 45}
